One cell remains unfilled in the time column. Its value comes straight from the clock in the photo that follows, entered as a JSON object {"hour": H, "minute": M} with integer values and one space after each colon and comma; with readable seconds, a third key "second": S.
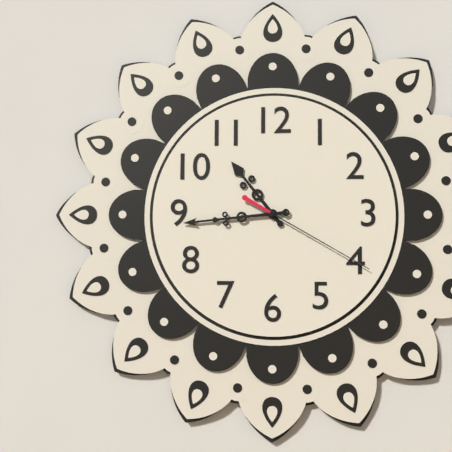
{"hour": 10, "minute": 44, "second": 20}
